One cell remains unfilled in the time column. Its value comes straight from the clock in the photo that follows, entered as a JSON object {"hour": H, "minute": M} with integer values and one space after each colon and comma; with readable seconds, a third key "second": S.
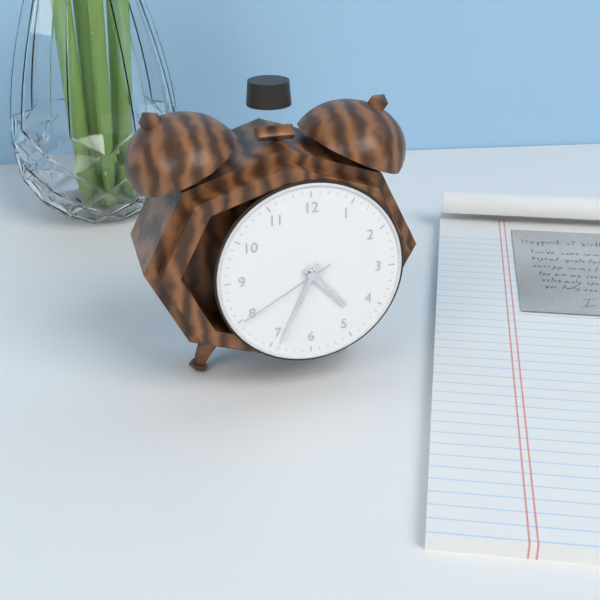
{"hour": 4, "minute": 34, "second": 40}
